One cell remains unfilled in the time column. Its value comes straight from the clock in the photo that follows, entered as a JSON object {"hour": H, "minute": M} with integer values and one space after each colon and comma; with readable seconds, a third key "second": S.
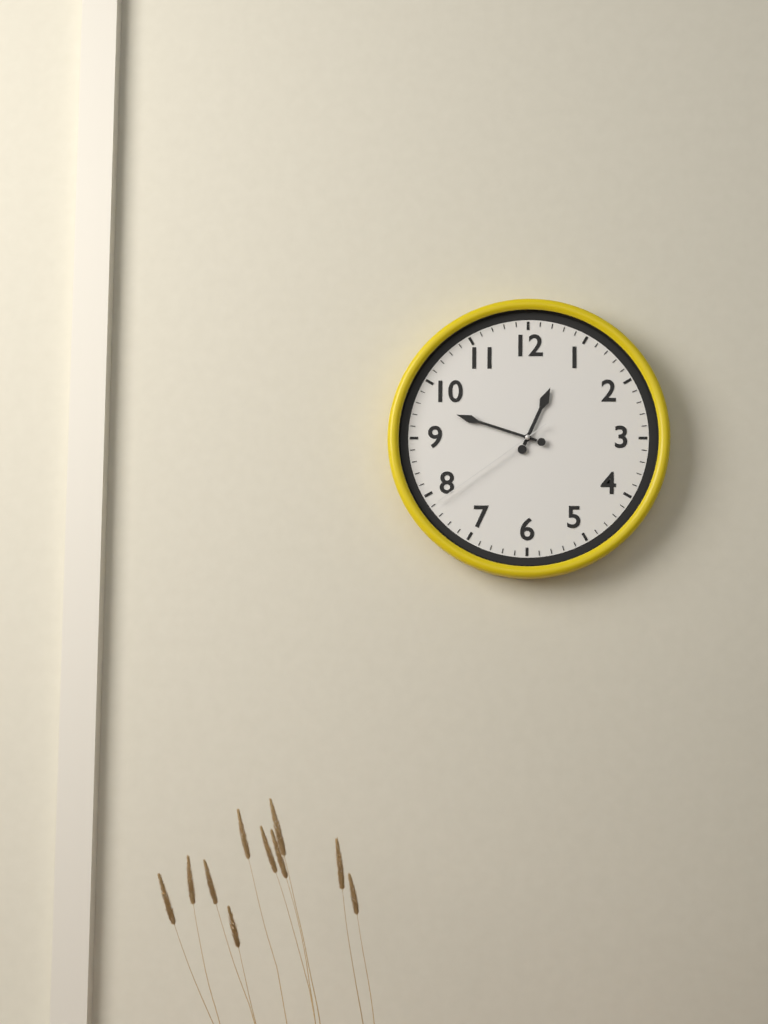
{"hour": 12, "minute": 48, "second": 39}
